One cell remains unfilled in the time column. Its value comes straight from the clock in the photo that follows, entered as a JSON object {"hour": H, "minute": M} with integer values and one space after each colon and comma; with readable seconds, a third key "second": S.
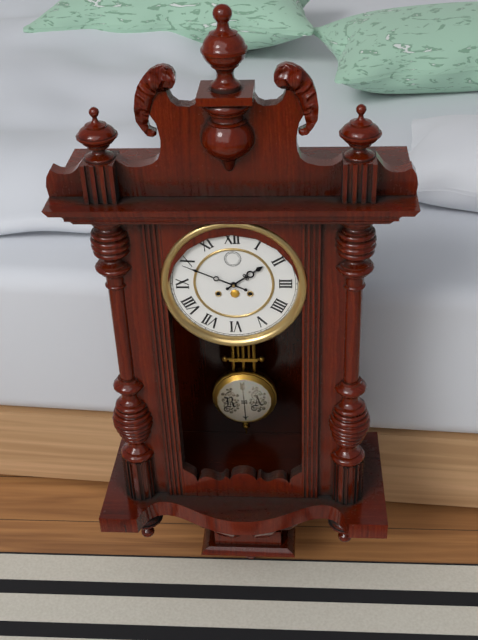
{"hour": 1, "minute": 49}
